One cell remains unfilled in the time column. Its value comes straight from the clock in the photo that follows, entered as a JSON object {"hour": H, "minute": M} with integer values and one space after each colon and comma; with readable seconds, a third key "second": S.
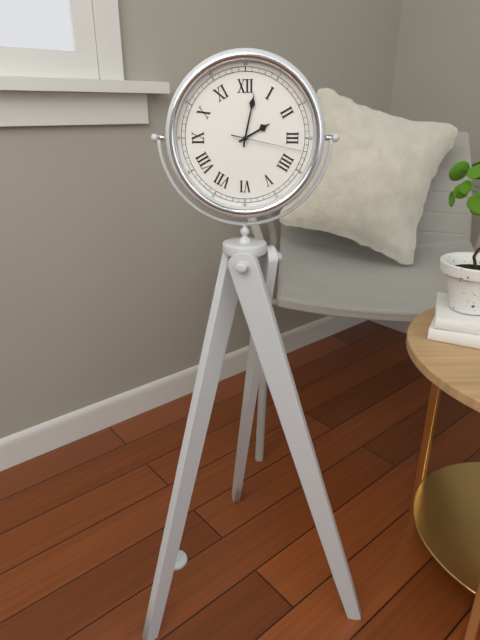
{"hour": 2, "minute": 2, "second": 17}
